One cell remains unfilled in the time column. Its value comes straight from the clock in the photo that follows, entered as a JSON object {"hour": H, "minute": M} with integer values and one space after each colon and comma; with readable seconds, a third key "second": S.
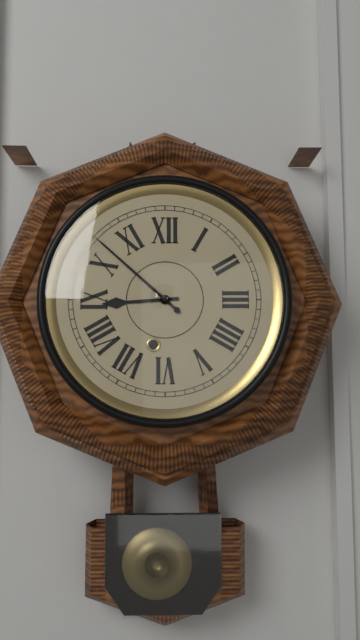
{"hour": 8, "minute": 52}
